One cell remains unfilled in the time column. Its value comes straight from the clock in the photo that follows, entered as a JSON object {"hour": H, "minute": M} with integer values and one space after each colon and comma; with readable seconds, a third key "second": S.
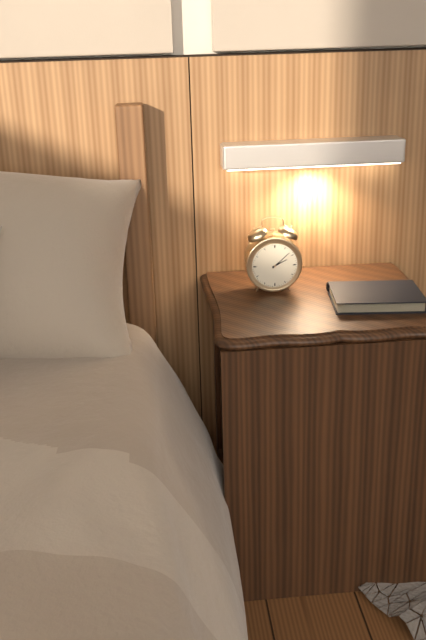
{"hour": 2, "minute": 8}
